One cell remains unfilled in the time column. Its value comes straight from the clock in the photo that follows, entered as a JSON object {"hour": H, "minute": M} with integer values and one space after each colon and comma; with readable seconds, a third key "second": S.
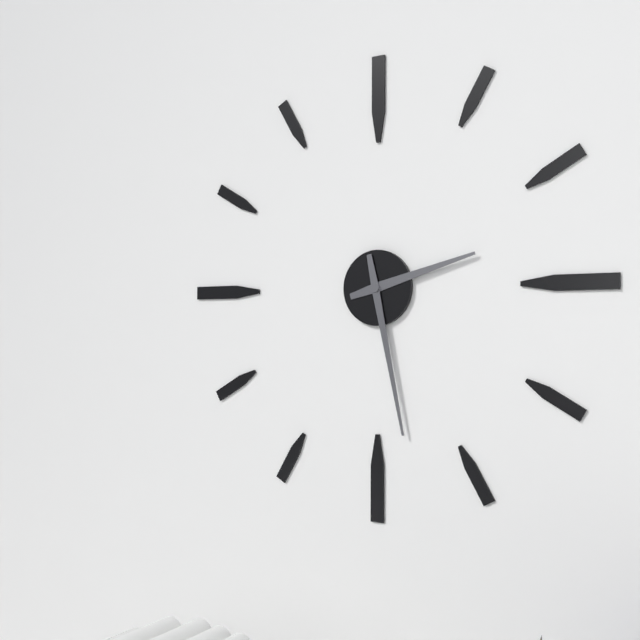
{"hour": 2, "minute": 28}
